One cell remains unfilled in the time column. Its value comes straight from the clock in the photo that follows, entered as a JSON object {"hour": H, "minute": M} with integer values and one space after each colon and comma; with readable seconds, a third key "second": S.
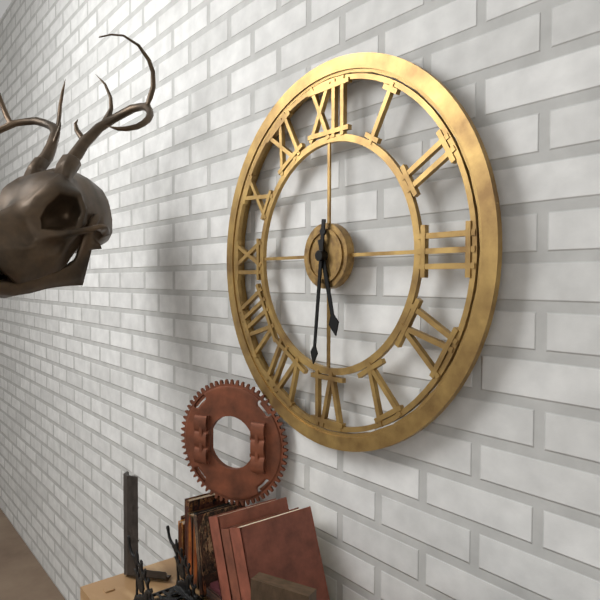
{"hour": 5, "minute": 31}
